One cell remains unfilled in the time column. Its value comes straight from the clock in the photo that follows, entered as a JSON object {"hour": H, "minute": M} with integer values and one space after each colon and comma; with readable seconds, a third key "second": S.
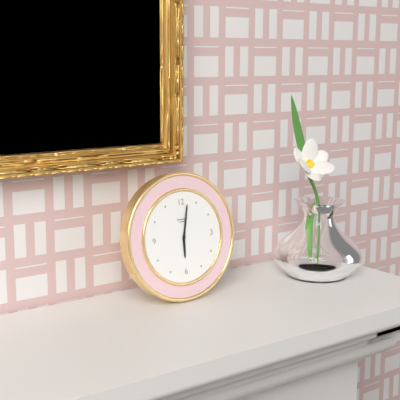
{"hour": 6, "minute": 2}
